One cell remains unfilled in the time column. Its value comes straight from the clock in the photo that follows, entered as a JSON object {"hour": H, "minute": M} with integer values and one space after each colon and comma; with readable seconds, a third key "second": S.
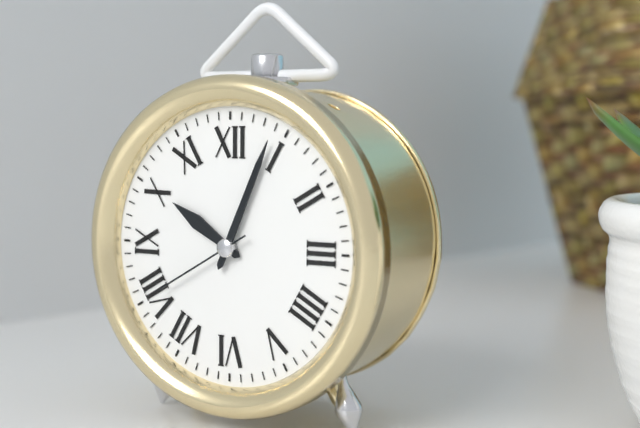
{"hour": 10, "minute": 4, "second": 40}
